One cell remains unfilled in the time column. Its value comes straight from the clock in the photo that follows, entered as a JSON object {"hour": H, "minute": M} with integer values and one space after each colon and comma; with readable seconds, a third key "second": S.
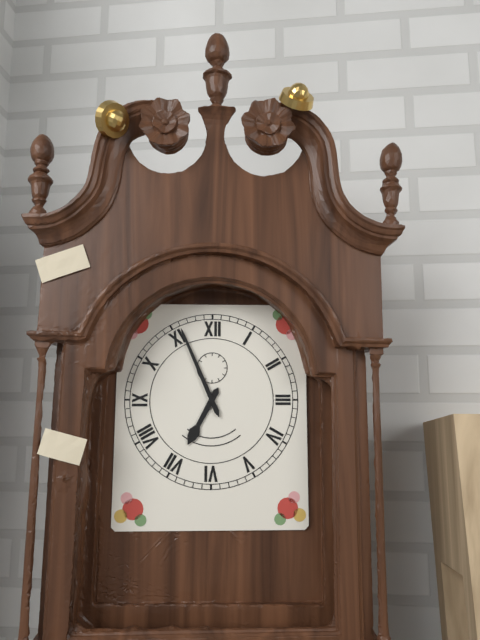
{"hour": 6, "minute": 56}
